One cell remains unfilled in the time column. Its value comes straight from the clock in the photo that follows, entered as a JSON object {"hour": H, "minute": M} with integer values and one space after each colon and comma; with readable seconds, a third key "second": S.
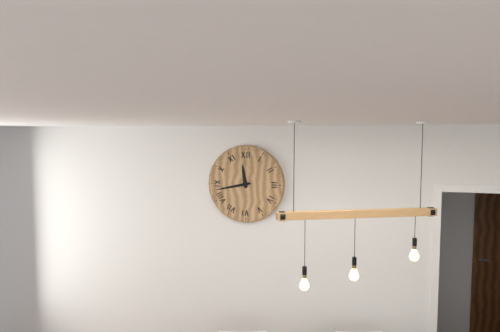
{"hour": 11, "minute": 43}
